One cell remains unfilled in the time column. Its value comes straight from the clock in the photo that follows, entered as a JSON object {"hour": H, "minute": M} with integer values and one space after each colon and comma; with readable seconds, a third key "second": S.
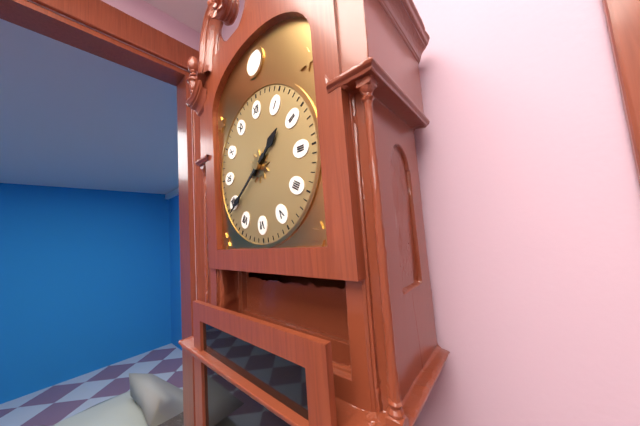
{"hour": 1, "minute": 39}
